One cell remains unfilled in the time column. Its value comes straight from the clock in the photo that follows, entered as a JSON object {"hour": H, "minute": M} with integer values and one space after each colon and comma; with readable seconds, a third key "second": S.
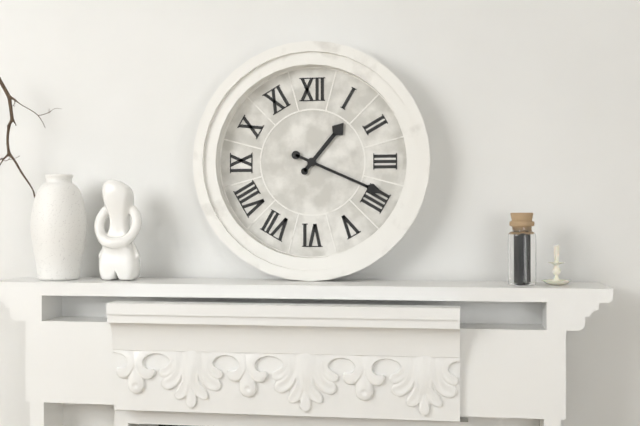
{"hour": 1, "minute": 19}
